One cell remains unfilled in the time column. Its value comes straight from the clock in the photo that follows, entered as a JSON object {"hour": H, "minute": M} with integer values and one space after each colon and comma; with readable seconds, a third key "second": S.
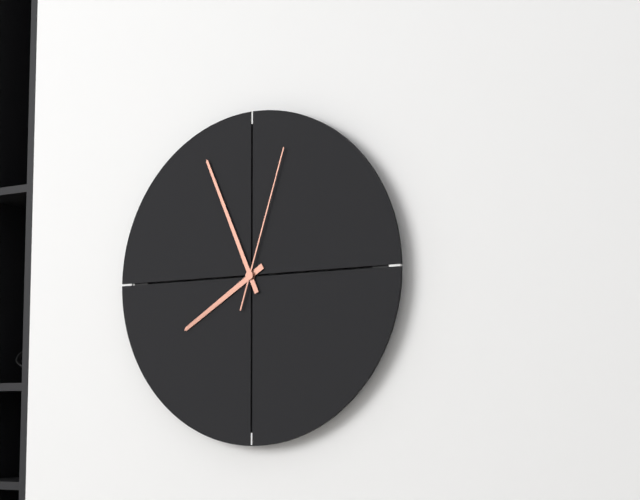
{"hour": 7, "minute": 56, "second": 3}
